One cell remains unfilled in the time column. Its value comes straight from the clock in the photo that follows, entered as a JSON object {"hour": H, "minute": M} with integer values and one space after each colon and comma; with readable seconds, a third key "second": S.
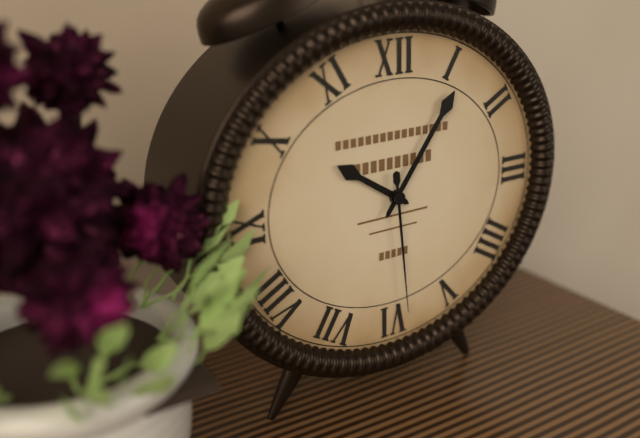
{"hour": 10, "minute": 6, "second": 29}
